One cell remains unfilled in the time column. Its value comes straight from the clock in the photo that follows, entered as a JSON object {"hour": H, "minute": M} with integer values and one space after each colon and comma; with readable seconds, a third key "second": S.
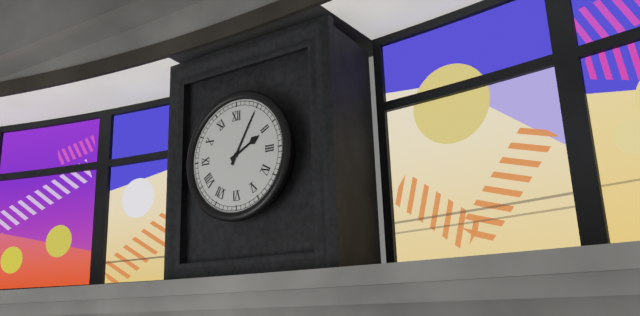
{"hour": 2, "minute": 5}
